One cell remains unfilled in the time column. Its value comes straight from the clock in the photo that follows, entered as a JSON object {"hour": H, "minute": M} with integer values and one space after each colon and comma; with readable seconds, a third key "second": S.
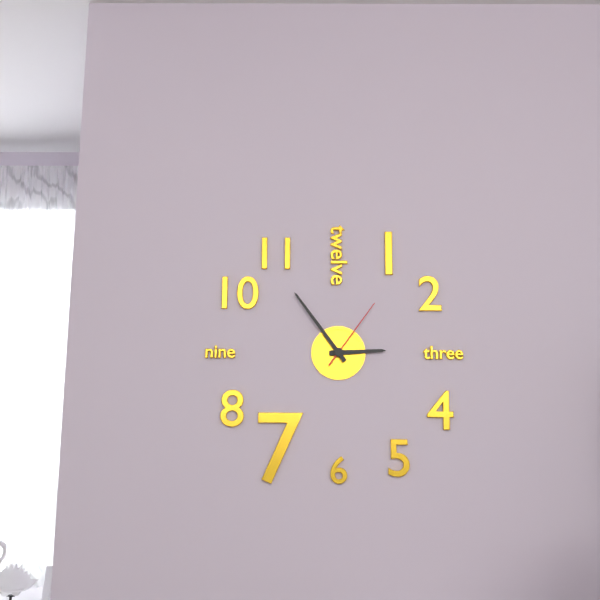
{"hour": 2, "minute": 54, "second": 6}
